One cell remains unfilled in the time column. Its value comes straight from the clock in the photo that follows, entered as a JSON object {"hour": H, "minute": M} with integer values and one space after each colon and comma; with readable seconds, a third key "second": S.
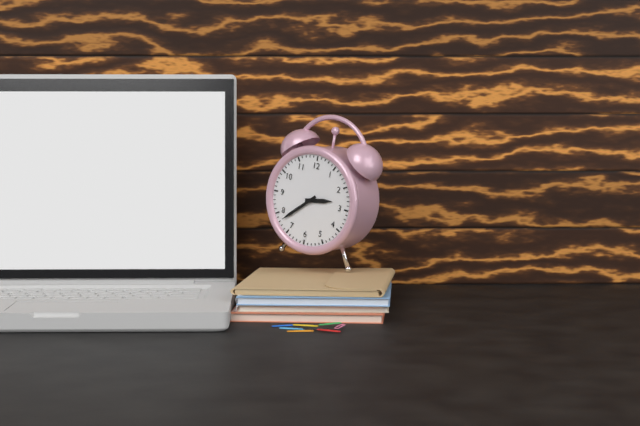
{"hour": 2, "minute": 38}
